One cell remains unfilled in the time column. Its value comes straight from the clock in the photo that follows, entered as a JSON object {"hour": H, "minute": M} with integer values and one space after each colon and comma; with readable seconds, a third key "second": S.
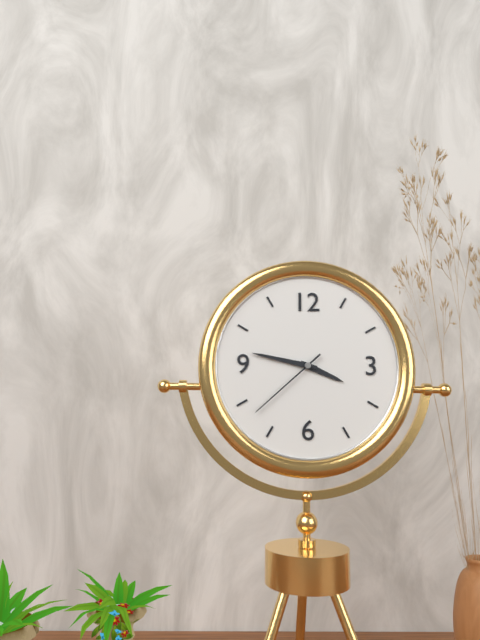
{"hour": 3, "minute": 47, "second": 38}
